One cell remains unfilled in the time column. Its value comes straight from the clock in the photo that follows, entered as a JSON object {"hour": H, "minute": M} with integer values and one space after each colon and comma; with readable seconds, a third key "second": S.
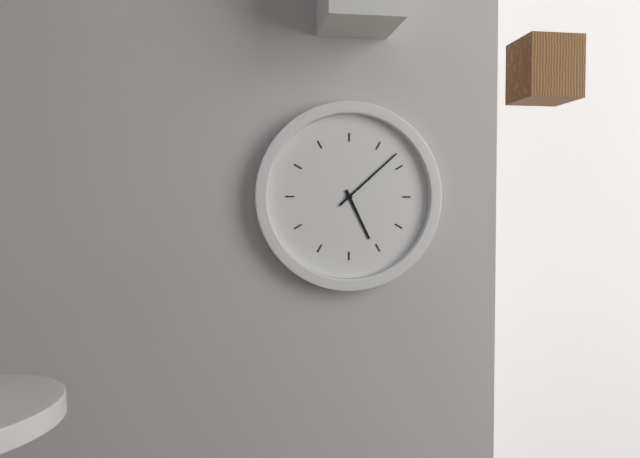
{"hour": 5, "minute": 8}
